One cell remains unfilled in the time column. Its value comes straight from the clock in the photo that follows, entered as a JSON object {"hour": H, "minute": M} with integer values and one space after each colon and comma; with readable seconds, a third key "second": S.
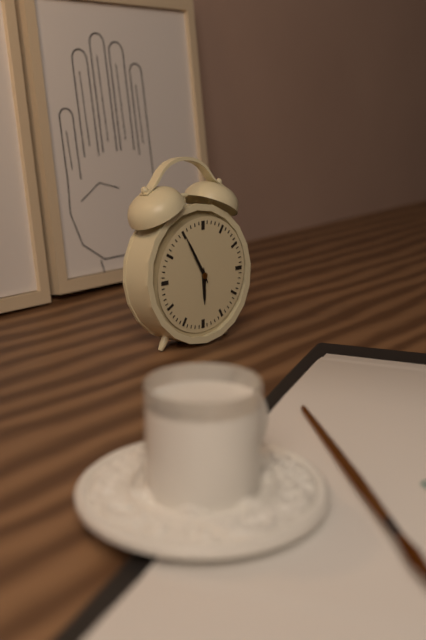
{"hour": 5, "minute": 55}
